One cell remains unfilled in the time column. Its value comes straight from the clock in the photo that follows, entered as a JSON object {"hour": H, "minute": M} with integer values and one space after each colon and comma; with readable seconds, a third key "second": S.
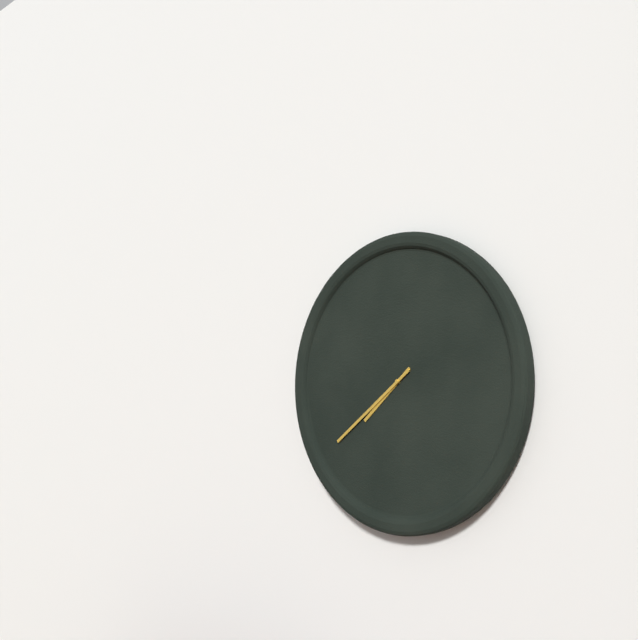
{"hour": 7, "minute": 39}
